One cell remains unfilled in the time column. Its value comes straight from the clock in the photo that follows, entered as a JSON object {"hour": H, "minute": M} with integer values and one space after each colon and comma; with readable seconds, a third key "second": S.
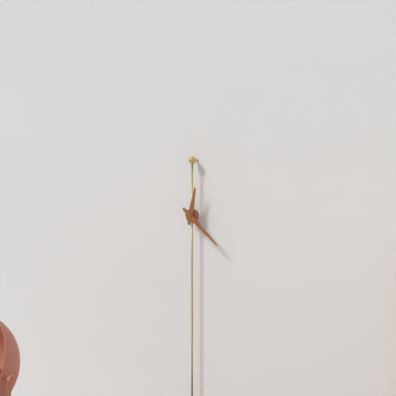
{"hour": 12, "minute": 22}
